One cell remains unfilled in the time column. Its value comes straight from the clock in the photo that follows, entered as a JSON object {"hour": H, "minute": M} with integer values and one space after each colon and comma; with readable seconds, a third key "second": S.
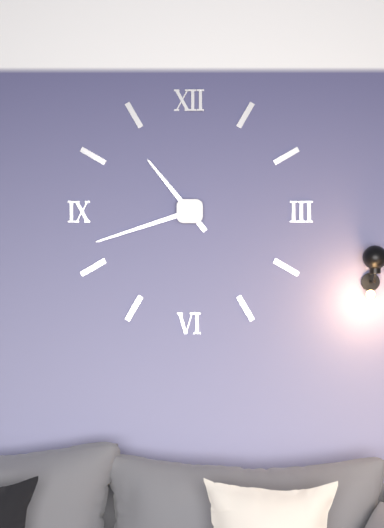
{"hour": 10, "minute": 42}
